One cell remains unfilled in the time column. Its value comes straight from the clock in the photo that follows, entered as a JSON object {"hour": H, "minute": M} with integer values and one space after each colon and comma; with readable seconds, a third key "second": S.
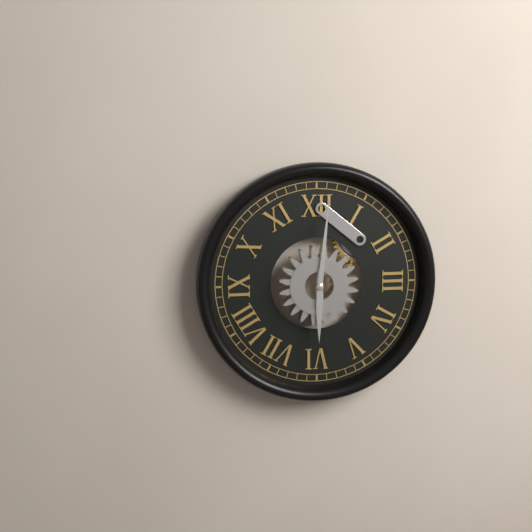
{"hour": 6, "minute": 1}
